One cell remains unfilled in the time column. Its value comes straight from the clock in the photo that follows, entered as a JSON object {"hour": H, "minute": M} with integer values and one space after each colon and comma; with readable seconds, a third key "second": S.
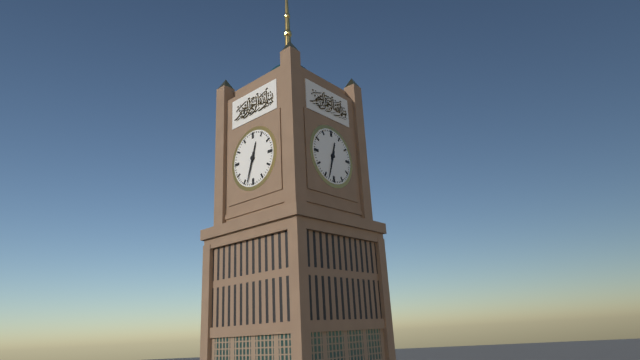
{"hour": 12, "minute": 33}
